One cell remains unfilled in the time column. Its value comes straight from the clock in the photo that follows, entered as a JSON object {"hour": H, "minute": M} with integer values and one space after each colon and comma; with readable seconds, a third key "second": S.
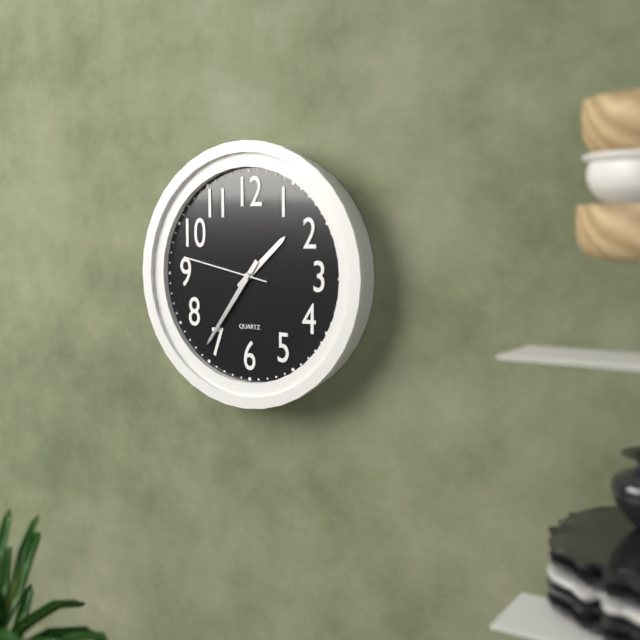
{"hour": 1, "minute": 36, "second": 47}
